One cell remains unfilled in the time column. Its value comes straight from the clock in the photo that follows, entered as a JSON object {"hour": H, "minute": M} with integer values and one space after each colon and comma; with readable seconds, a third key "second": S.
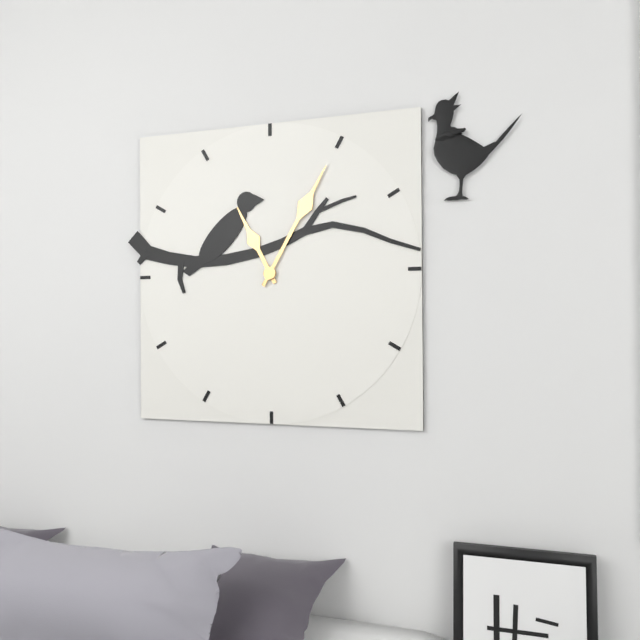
{"hour": 11, "minute": 5}
